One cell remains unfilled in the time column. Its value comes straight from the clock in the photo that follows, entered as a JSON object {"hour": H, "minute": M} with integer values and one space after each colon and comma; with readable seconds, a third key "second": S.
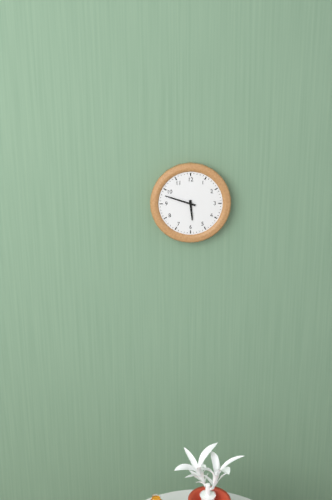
{"hour": 5, "minute": 48}
